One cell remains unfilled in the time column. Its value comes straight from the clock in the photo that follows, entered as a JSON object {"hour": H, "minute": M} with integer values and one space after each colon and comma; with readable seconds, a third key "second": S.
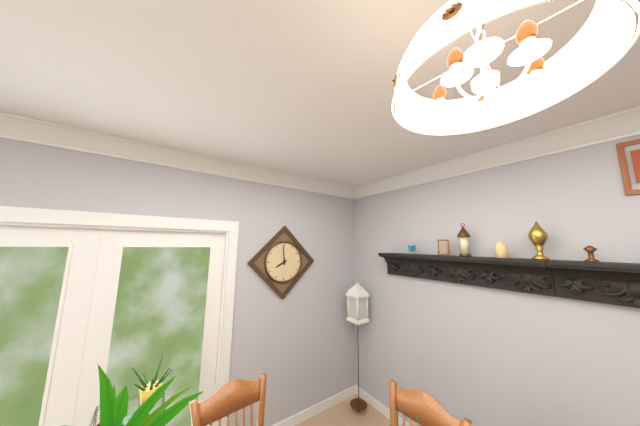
{"hour": 7, "minute": 59}
